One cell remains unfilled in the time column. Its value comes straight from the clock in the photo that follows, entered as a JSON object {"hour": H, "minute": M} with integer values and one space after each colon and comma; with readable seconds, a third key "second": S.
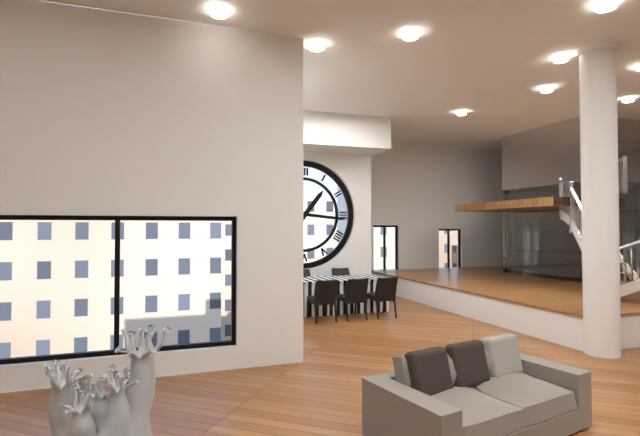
{"hour": 1, "minute": 16}
